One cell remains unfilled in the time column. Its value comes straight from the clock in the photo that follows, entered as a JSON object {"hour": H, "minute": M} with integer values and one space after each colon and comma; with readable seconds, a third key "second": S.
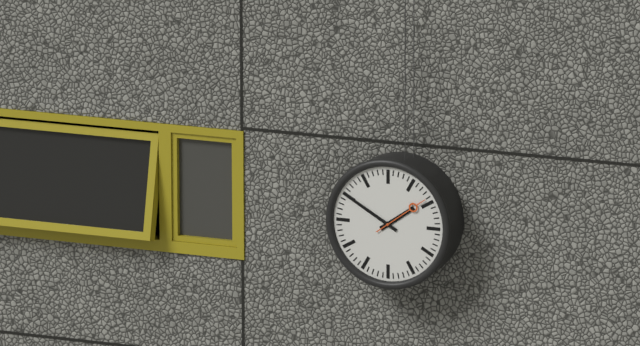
{"hour": 1, "minute": 50, "second": 9}
